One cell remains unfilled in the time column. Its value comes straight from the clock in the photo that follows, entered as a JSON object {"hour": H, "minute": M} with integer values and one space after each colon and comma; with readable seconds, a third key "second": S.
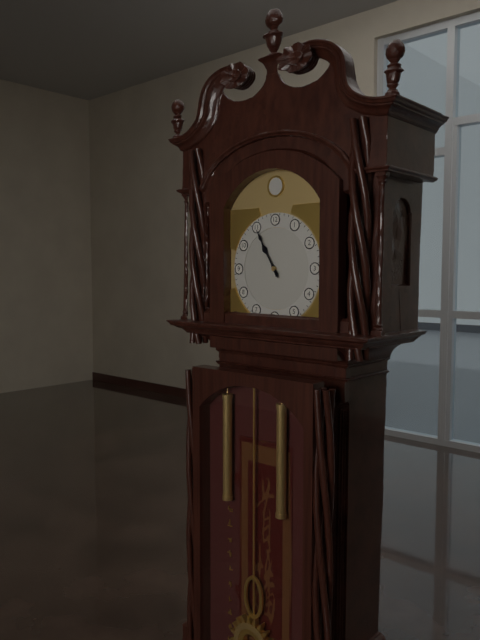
{"hour": 10, "minute": 55}
